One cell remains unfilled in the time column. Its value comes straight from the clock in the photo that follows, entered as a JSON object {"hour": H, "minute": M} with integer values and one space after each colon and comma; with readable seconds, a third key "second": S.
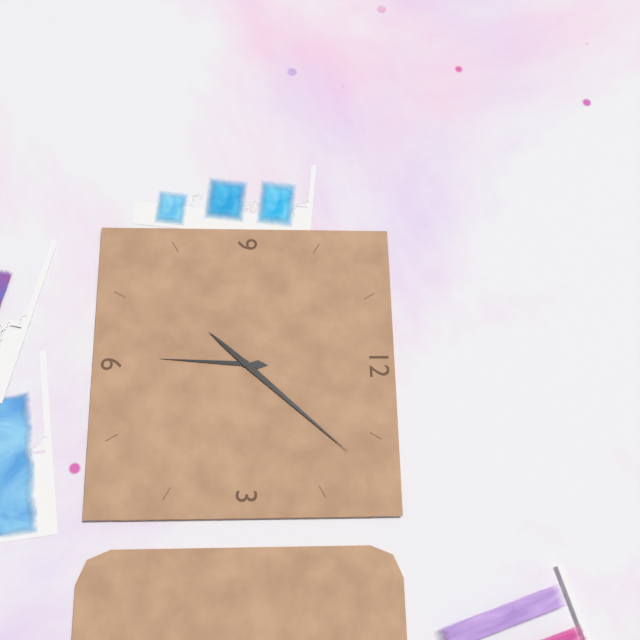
{"hour": 6, "minute": 7}
